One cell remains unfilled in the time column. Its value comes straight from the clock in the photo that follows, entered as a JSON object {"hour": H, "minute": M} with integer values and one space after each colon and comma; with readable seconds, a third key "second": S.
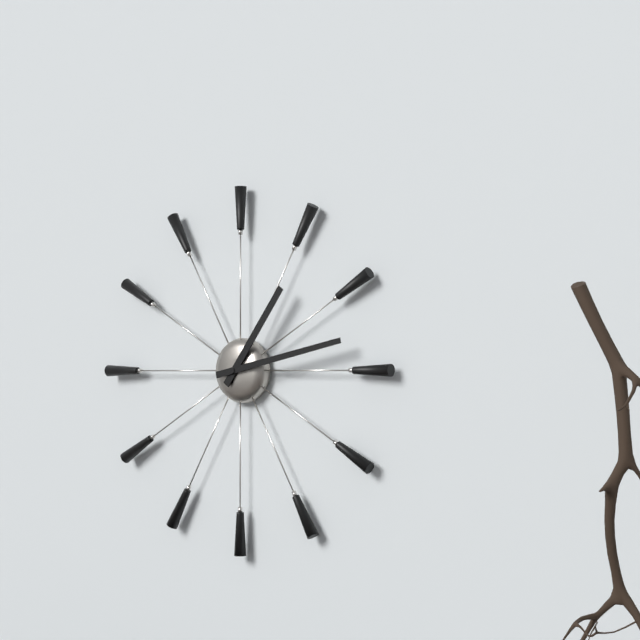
{"hour": 1, "minute": 13}
